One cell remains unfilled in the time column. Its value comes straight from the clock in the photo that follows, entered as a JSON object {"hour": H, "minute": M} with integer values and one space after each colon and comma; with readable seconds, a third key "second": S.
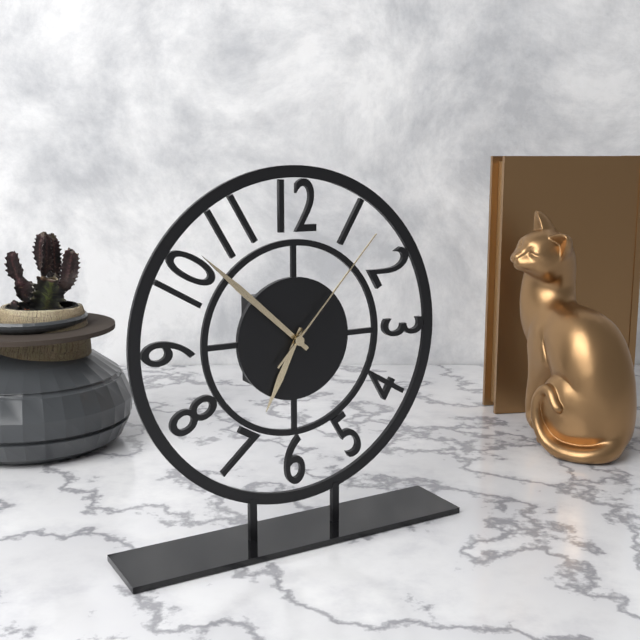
{"hour": 6, "minute": 52, "second": 7}
